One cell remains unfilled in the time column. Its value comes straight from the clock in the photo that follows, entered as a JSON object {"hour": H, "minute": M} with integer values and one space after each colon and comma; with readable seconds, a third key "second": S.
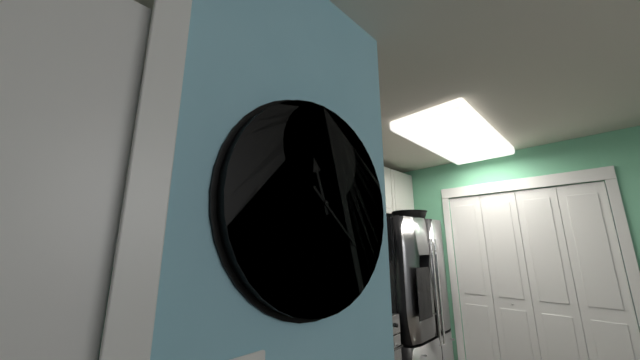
{"hour": 11, "minute": 22}
